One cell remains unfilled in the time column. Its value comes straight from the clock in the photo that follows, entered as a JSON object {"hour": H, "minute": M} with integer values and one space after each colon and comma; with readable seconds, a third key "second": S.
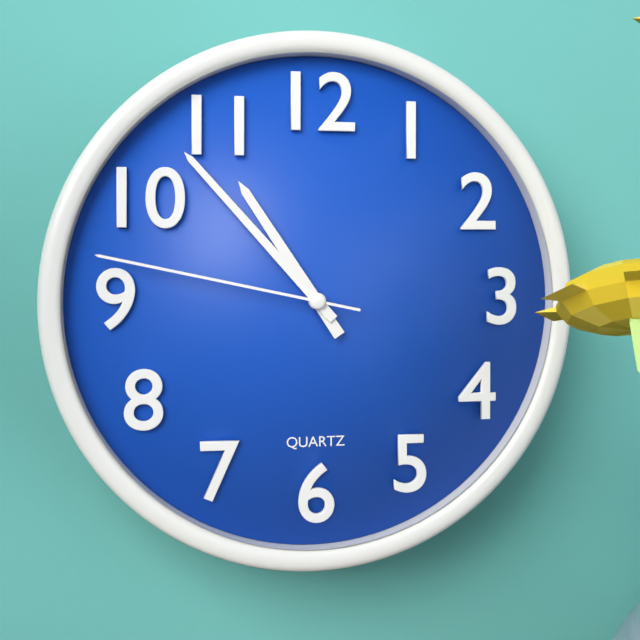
{"hour": 10, "minute": 53, "second": 47}
